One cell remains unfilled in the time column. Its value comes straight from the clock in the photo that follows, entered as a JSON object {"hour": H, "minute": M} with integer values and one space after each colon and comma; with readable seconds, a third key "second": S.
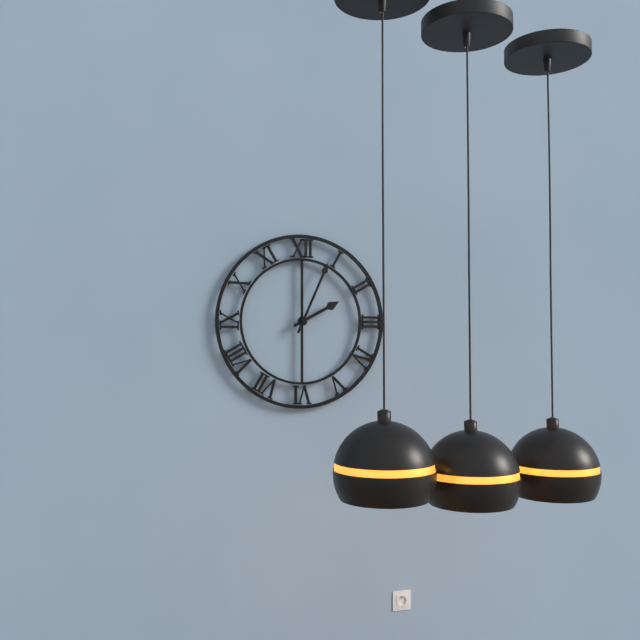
{"hour": 2, "minute": 4}
